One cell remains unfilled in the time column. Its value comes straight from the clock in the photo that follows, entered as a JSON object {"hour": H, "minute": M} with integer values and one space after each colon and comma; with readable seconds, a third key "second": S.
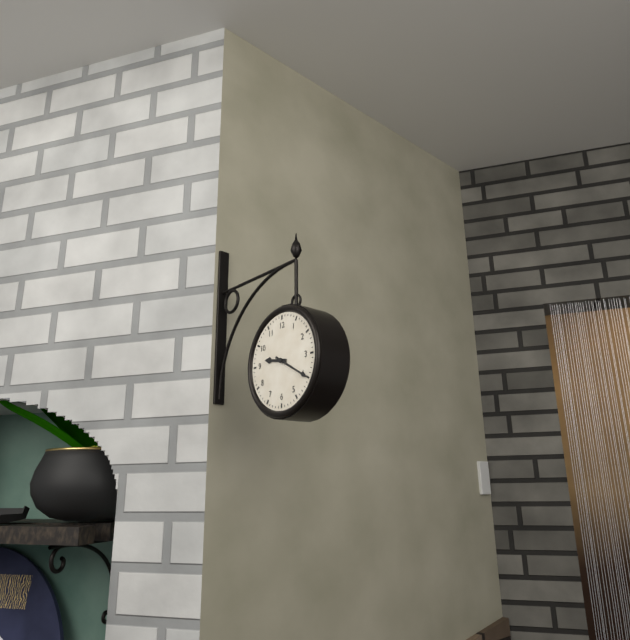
{"hour": 9, "minute": 20}
